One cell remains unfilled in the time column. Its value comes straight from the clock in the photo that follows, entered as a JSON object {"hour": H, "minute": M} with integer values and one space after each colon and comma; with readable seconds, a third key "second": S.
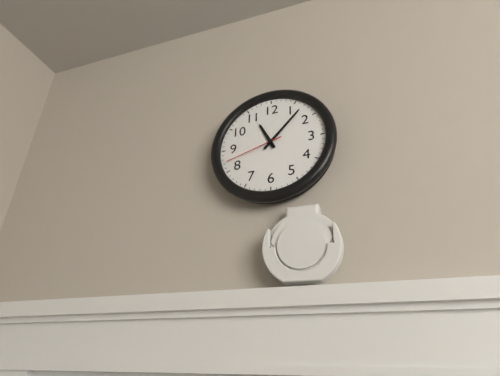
{"hour": 11, "minute": 7, "second": 42}
